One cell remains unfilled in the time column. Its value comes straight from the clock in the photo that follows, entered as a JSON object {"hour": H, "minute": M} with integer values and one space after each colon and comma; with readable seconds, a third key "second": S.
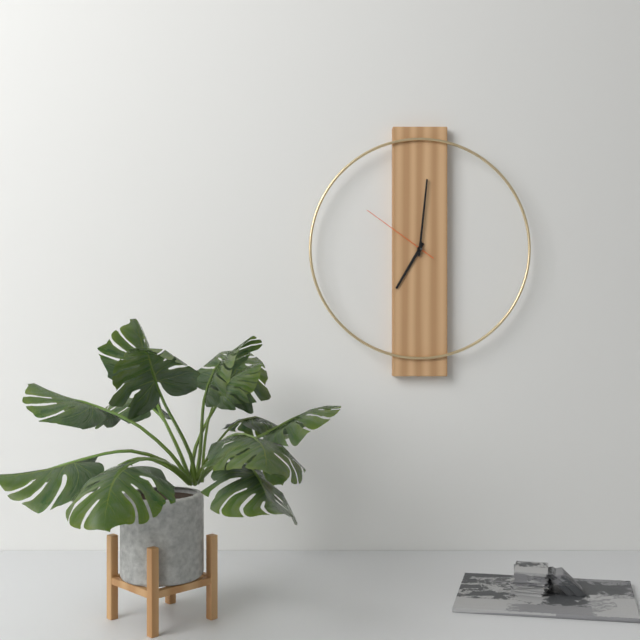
{"hour": 7, "minute": 1, "second": 51}
